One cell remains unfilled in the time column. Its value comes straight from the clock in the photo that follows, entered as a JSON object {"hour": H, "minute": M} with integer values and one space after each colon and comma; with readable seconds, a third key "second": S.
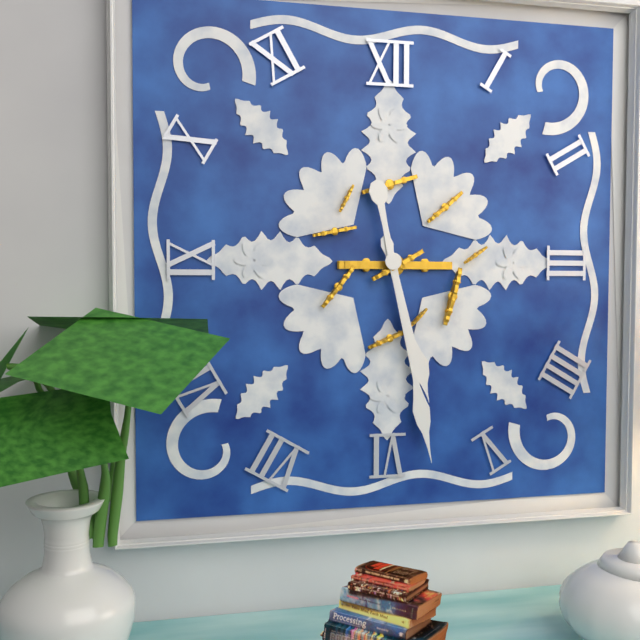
{"hour": 5, "minute": 28}
